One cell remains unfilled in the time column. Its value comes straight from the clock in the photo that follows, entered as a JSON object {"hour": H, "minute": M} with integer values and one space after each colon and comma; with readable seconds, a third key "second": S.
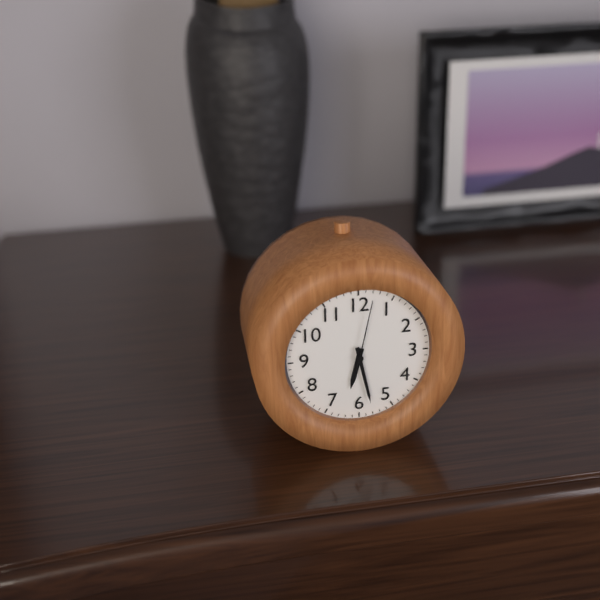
{"hour": 6, "minute": 28, "second": 2}
